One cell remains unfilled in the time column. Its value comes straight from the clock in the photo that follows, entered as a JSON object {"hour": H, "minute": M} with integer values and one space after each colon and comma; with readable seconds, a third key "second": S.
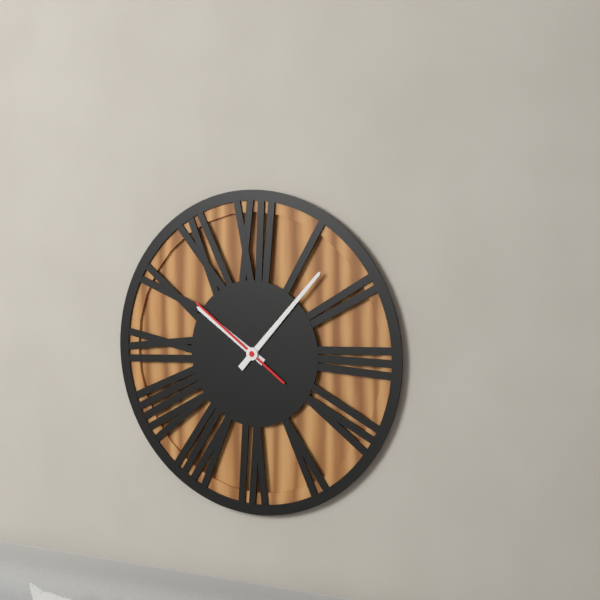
{"hour": 10, "minute": 7, "second": 51}
